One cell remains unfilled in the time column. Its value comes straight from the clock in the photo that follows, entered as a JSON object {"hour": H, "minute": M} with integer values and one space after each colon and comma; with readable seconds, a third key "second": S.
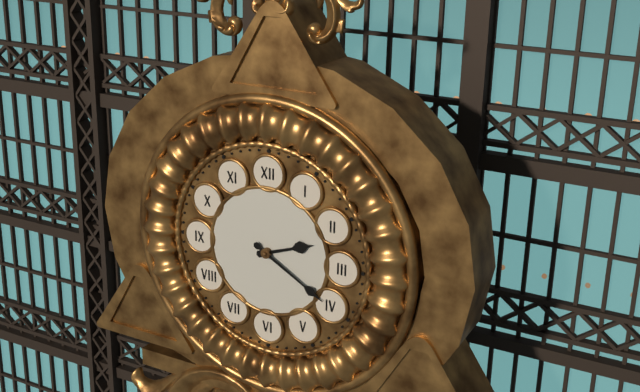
{"hour": 2, "minute": 20}
